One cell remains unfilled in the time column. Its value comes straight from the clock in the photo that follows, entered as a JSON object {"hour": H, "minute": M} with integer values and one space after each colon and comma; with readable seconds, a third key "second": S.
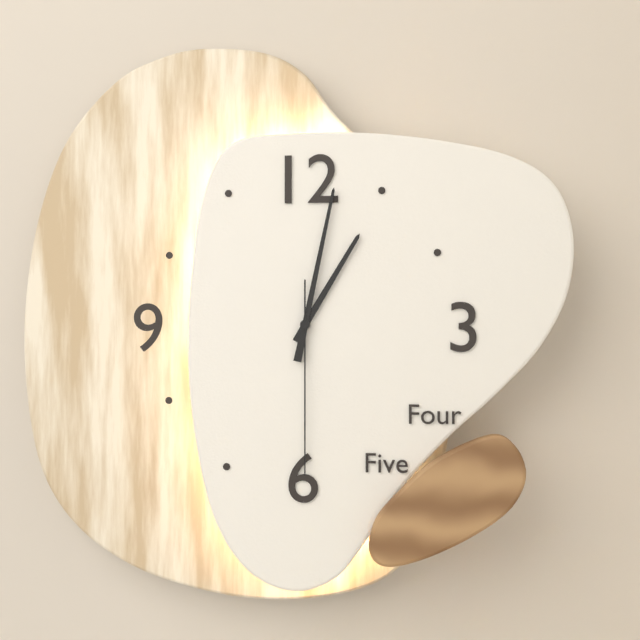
{"hour": 1, "minute": 2, "second": 30}
